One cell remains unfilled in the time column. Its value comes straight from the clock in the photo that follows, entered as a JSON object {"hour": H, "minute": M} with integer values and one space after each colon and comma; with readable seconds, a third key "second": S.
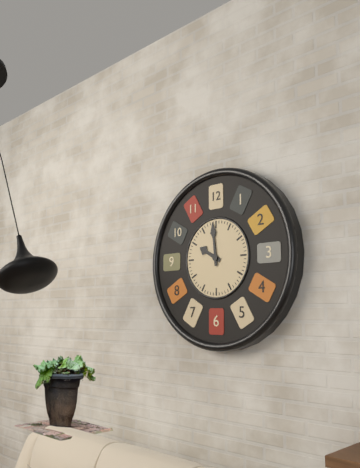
{"hour": 9, "minute": 59}
